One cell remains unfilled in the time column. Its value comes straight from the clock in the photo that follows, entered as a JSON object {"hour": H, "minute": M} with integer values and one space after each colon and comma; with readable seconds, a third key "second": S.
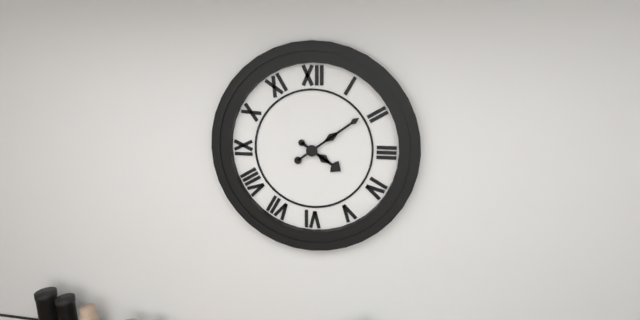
{"hour": 4, "minute": 9}
